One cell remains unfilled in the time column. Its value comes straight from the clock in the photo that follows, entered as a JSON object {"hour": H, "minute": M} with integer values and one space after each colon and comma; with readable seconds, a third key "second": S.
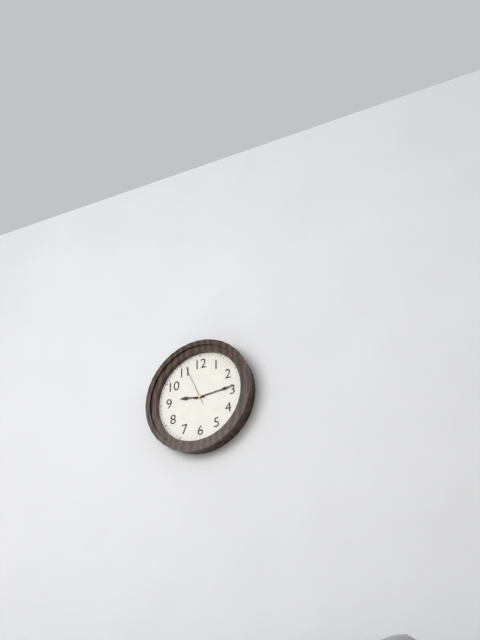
{"hour": 9, "minute": 14}
